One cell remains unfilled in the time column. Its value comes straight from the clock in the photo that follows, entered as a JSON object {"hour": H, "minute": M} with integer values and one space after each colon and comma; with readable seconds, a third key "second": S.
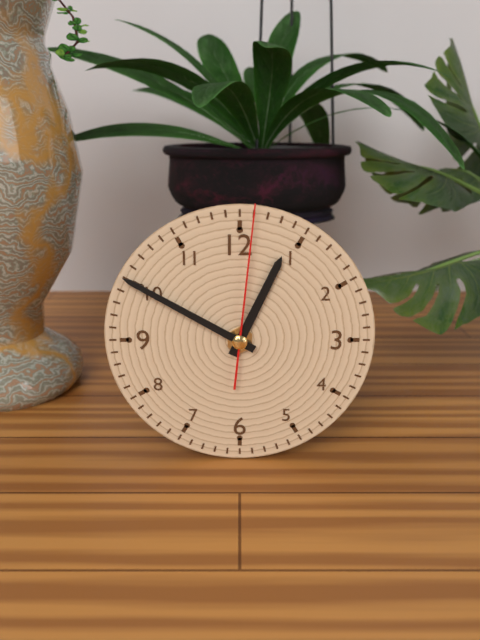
{"hour": 12, "minute": 50, "second": 1}
